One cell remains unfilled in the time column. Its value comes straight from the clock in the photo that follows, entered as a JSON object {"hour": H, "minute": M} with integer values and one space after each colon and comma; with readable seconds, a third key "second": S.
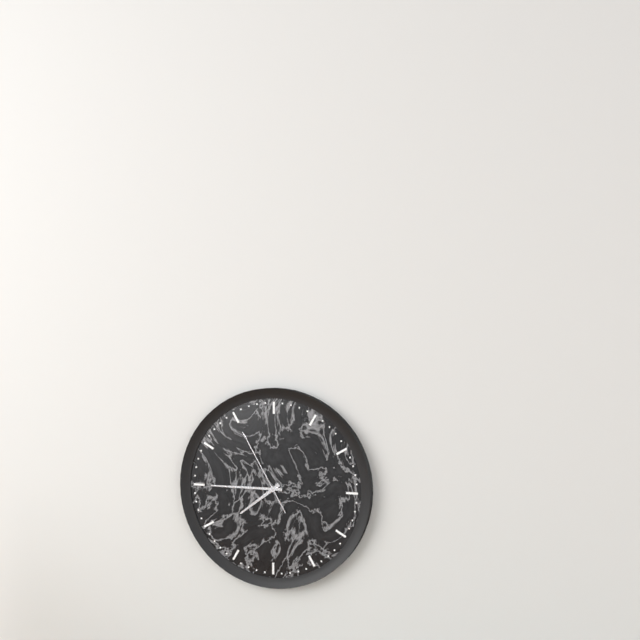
{"hour": 7, "minute": 45, "second": 55}
